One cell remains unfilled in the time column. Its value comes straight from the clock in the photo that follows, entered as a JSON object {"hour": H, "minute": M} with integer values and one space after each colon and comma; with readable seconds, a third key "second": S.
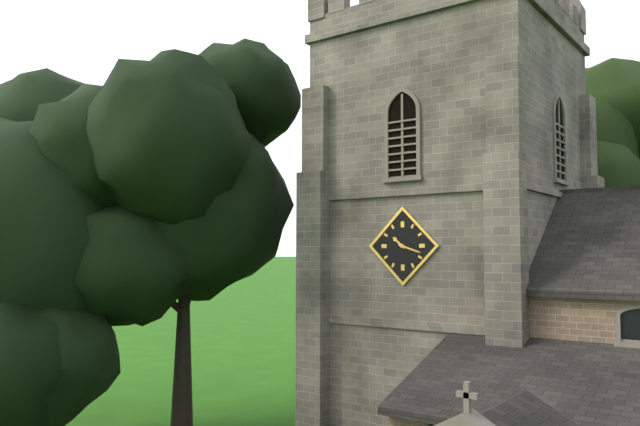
{"hour": 10, "minute": 18}
